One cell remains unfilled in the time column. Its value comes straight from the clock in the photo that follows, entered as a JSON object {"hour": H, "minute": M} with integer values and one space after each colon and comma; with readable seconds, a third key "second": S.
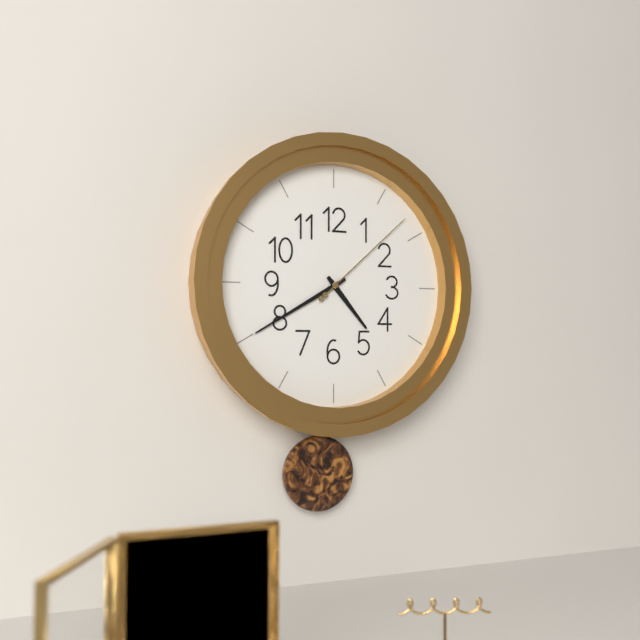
{"hour": 4, "minute": 40, "second": 8}
